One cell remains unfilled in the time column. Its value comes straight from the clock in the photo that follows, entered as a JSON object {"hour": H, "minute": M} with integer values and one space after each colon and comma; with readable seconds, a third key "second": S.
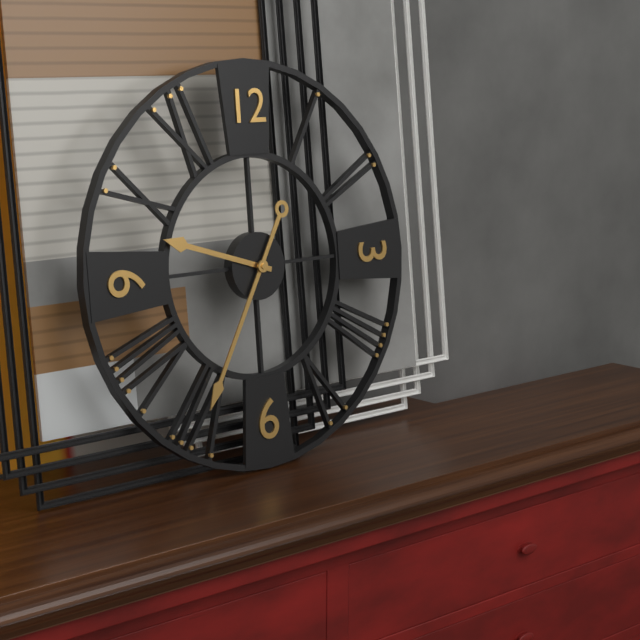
{"hour": 9, "minute": 35}
